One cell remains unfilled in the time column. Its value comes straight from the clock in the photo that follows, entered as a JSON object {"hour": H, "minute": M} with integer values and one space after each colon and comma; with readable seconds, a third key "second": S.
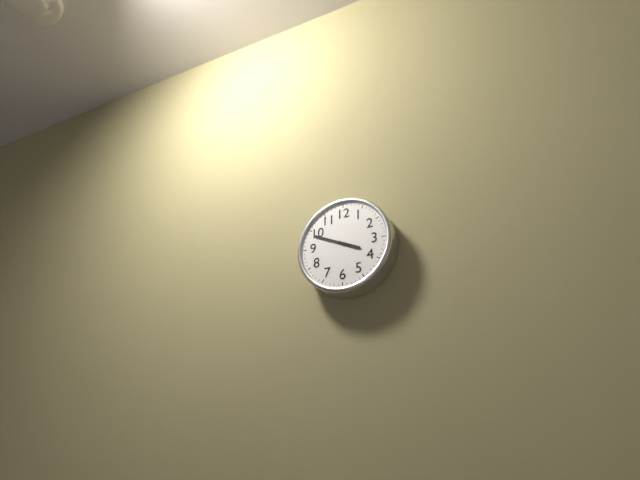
{"hour": 3, "minute": 49}
